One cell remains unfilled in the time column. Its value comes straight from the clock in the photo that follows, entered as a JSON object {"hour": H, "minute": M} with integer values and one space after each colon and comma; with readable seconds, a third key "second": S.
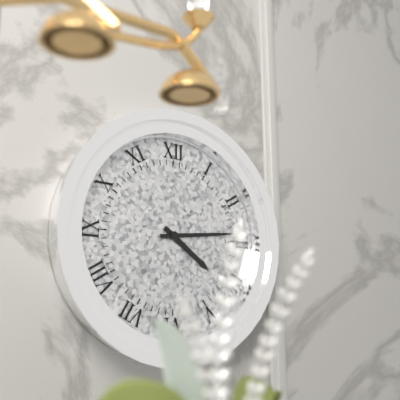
{"hour": 4, "minute": 14}
